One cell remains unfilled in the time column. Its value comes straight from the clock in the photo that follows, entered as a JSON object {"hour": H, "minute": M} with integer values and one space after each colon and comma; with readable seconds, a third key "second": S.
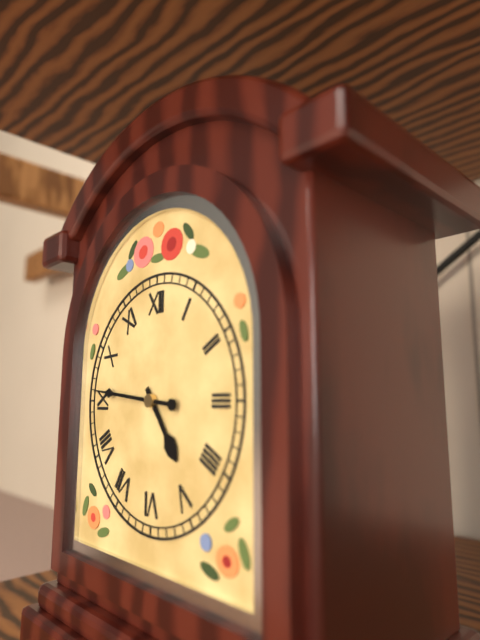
{"hour": 4, "minute": 46}
